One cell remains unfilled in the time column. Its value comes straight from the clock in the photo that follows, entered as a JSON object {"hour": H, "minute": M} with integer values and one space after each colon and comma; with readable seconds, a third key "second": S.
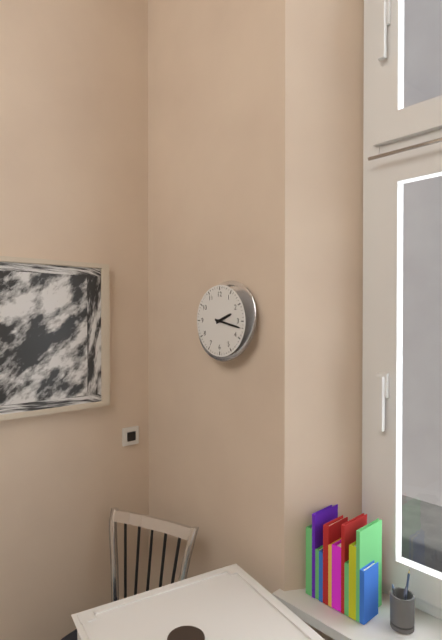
{"hour": 2, "minute": 17}
